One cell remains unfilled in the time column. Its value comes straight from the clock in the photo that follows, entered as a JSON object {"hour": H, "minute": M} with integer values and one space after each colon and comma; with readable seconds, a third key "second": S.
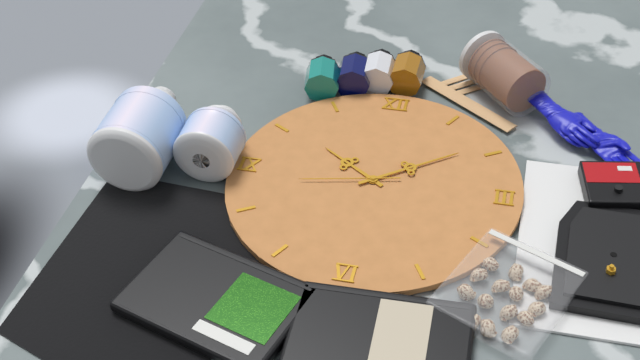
{"hour": 10, "minute": 9, "second": 43}
